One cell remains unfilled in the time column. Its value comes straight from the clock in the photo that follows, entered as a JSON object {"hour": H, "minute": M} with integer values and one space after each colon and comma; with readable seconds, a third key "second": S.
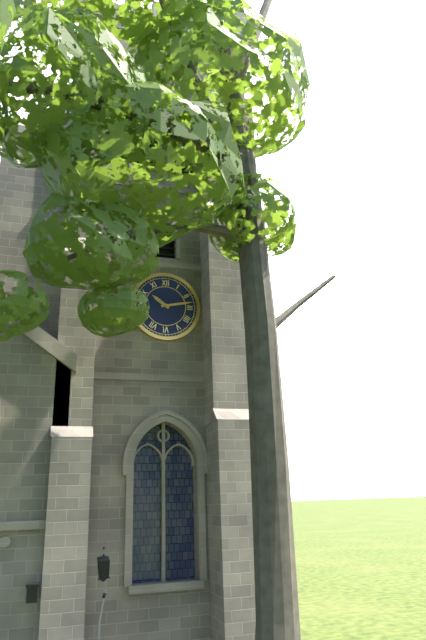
{"hour": 10, "minute": 13}
